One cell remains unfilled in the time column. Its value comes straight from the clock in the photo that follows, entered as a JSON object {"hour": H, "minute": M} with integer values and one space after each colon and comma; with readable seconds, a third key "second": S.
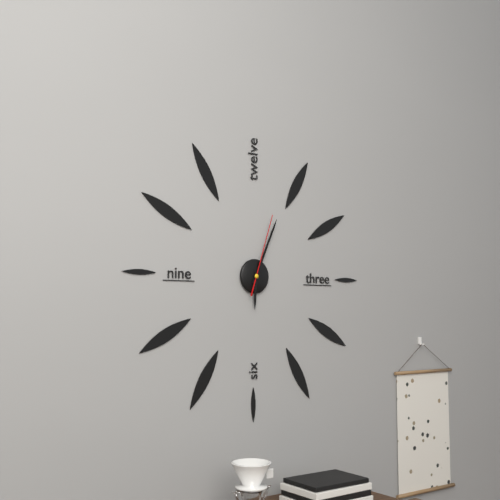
{"hour": 6, "minute": 4, "second": 3}
